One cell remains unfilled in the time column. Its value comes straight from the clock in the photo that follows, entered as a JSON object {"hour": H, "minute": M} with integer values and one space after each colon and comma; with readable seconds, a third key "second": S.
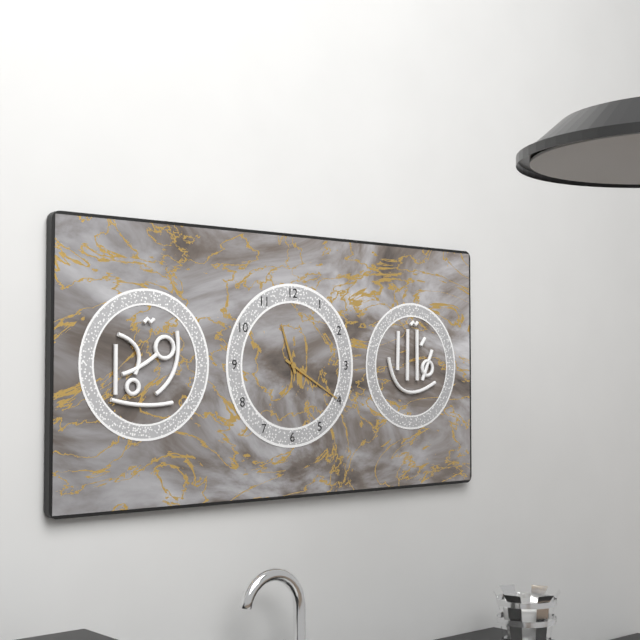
{"hour": 11, "minute": 20}
